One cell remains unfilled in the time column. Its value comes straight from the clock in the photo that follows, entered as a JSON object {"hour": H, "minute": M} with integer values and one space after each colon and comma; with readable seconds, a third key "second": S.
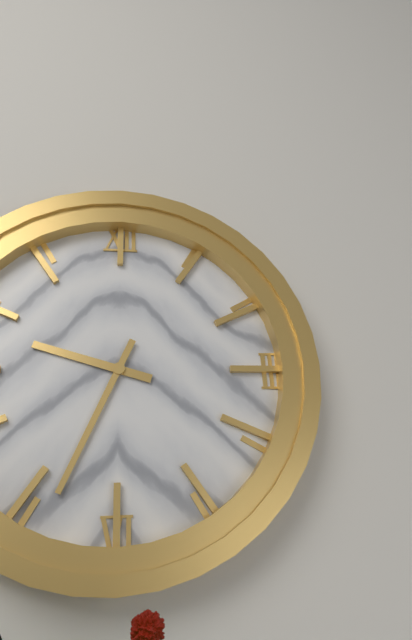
{"hour": 9, "minute": 34}
